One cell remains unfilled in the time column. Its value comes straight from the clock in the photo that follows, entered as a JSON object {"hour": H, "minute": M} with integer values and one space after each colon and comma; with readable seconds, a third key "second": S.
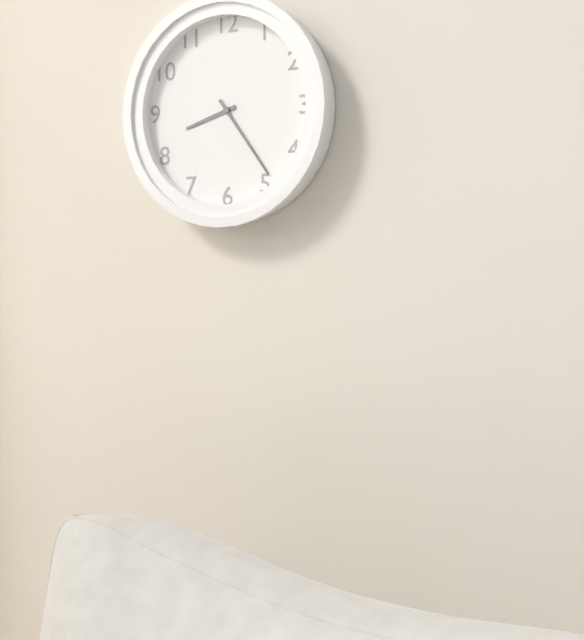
{"hour": 8, "minute": 24}
